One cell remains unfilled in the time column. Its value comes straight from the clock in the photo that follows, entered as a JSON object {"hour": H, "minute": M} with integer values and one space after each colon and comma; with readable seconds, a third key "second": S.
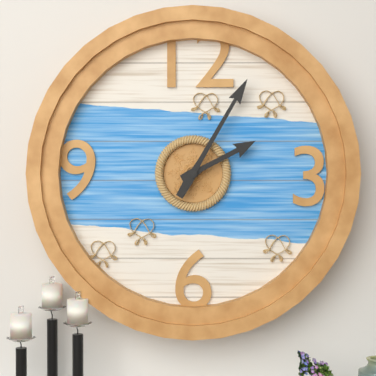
{"hour": 2, "minute": 5}
